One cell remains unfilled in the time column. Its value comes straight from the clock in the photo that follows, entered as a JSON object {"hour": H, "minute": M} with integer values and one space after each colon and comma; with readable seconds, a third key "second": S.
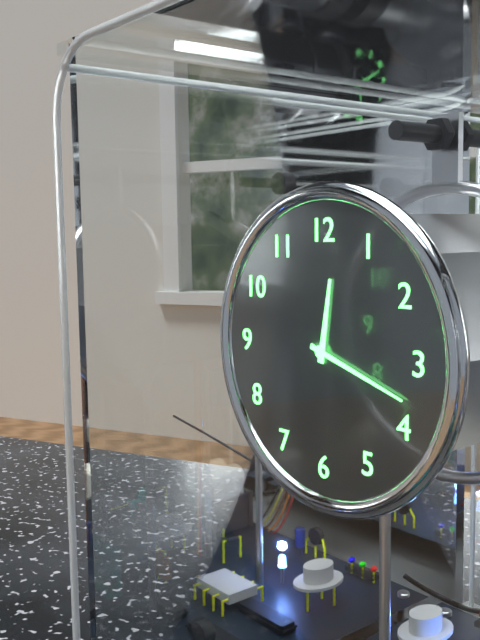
{"hour": 12, "minute": 18}
